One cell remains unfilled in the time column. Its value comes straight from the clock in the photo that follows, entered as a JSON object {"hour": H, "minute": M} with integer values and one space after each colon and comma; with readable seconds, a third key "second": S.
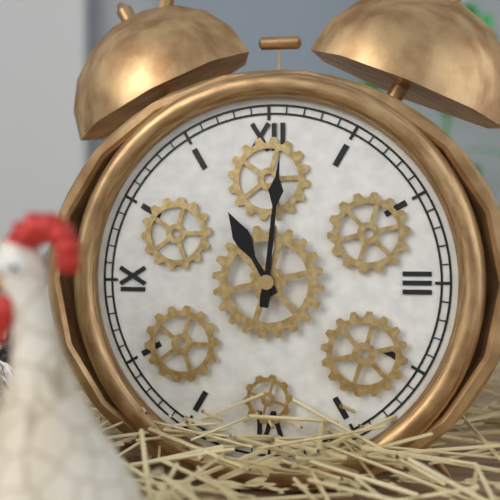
{"hour": 11, "minute": 1}
